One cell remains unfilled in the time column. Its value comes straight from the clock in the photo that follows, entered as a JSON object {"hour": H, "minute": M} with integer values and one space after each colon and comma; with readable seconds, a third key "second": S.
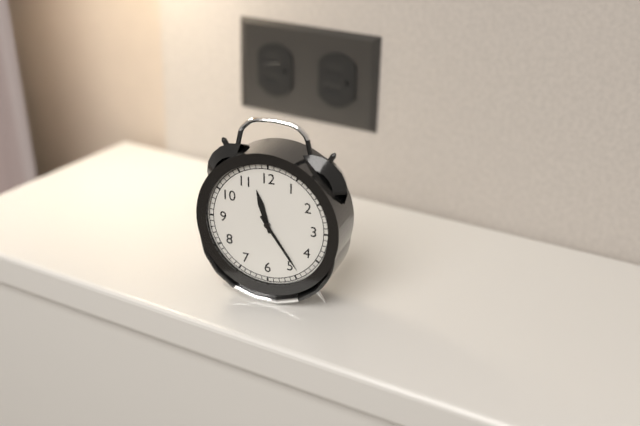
{"hour": 11, "minute": 24}
